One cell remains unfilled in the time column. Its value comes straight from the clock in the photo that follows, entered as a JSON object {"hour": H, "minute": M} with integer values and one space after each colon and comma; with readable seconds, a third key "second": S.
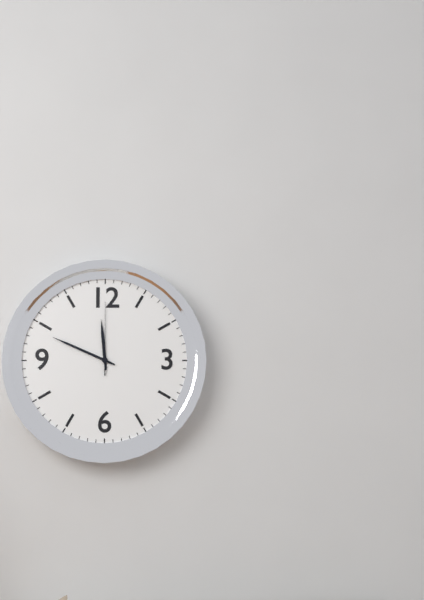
{"hour": 11, "minute": 49, "second": 0}
